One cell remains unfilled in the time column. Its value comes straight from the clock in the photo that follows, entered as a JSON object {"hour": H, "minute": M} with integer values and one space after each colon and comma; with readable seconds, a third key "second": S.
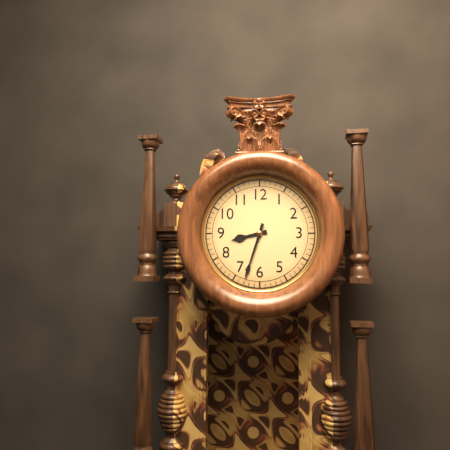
{"hour": 8, "minute": 33}
